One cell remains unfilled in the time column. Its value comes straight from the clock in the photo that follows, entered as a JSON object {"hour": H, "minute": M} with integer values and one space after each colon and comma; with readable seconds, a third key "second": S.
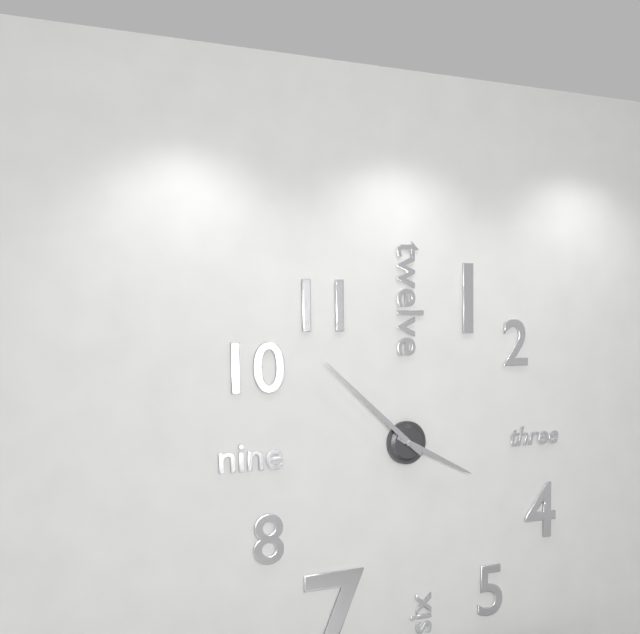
{"hour": 3, "minute": 52}
